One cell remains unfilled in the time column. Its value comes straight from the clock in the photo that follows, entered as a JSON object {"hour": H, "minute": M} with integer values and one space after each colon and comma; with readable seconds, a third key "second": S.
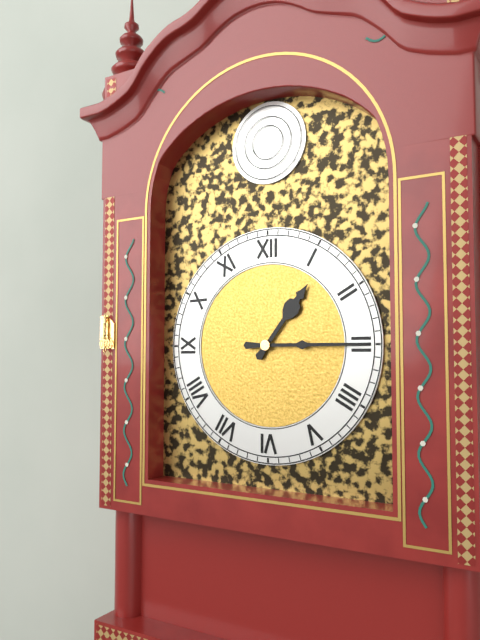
{"hour": 1, "minute": 15}
